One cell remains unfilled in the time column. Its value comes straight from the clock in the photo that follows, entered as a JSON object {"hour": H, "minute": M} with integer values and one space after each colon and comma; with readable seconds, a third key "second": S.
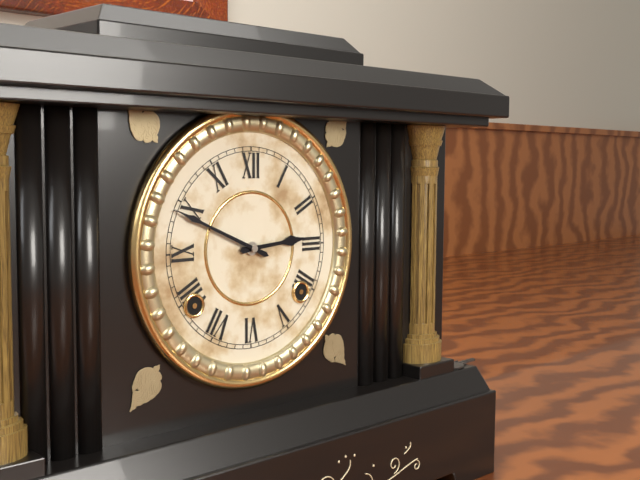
{"hour": 2, "minute": 49}
